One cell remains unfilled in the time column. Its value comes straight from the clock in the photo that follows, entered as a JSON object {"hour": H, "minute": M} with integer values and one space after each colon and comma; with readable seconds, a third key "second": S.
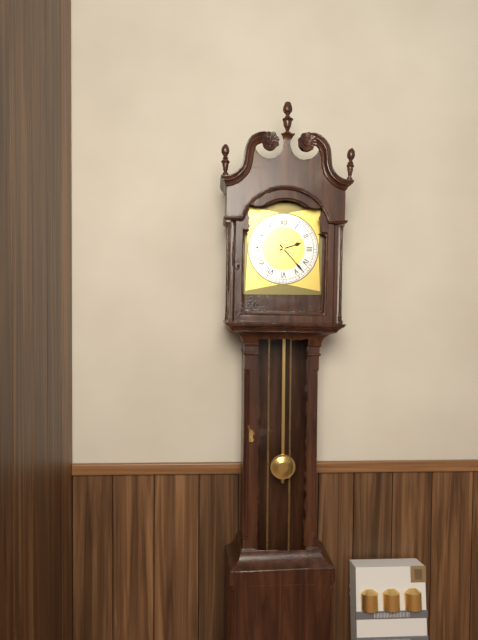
{"hour": 2, "minute": 23}
